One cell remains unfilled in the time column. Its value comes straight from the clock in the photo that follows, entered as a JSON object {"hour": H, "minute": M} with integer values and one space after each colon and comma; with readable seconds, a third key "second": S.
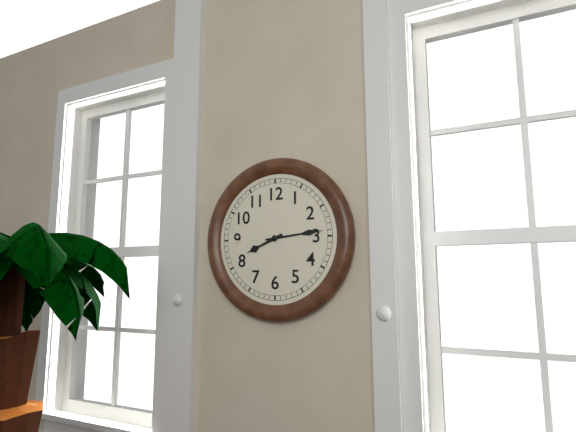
{"hour": 8, "minute": 14}
